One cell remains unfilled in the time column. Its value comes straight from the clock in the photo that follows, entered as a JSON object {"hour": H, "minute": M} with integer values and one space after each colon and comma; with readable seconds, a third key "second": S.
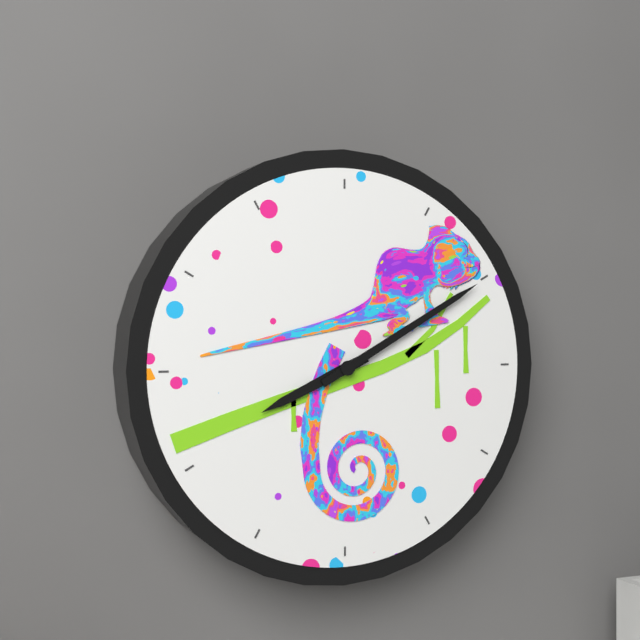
{"hour": 8, "minute": 10}
